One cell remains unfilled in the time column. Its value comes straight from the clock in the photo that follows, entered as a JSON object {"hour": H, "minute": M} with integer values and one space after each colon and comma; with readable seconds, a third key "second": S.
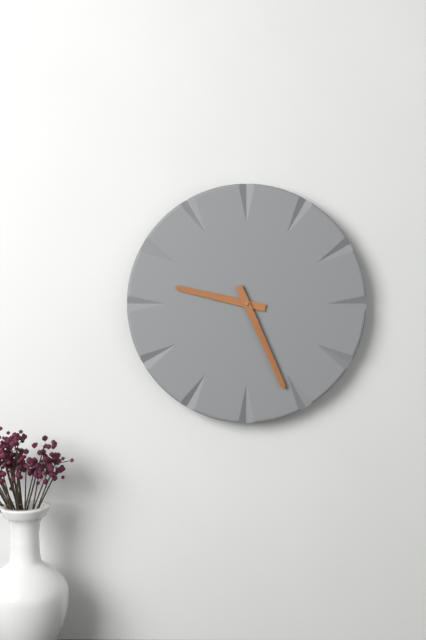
{"hour": 9, "minute": 26}
